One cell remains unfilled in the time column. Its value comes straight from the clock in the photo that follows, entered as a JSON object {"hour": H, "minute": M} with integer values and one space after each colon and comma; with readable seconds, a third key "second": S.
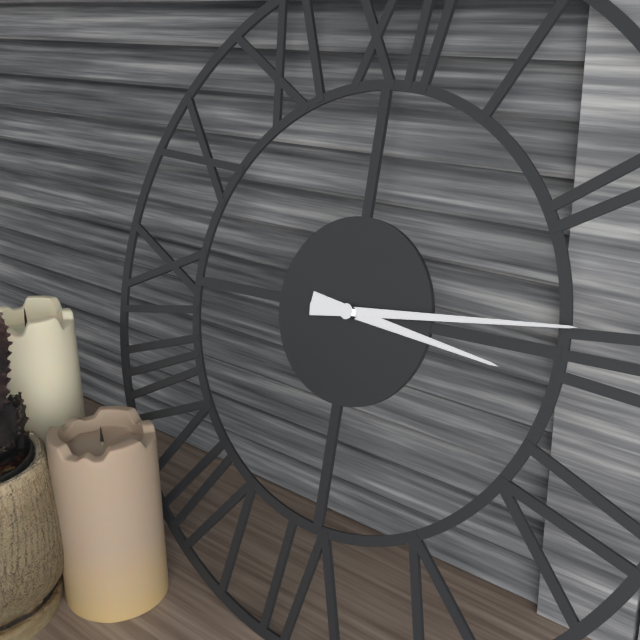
{"hour": 3, "minute": 14}
